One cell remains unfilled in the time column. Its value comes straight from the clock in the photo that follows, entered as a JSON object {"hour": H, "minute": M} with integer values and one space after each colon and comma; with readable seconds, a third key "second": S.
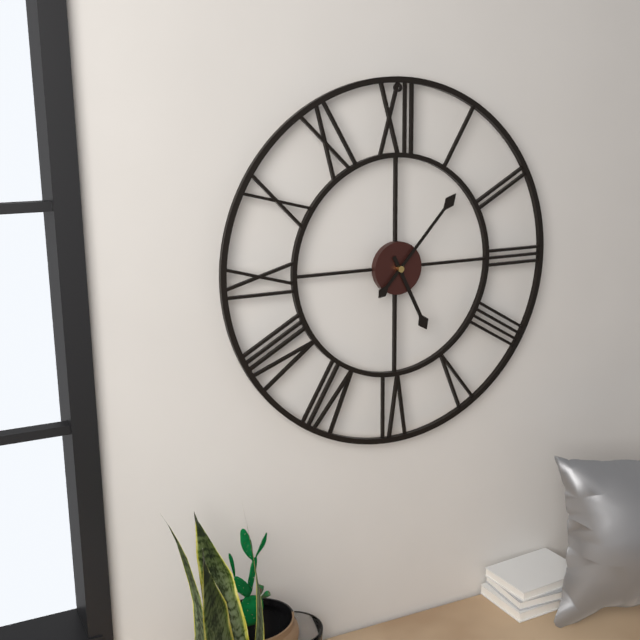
{"hour": 5, "minute": 7}
